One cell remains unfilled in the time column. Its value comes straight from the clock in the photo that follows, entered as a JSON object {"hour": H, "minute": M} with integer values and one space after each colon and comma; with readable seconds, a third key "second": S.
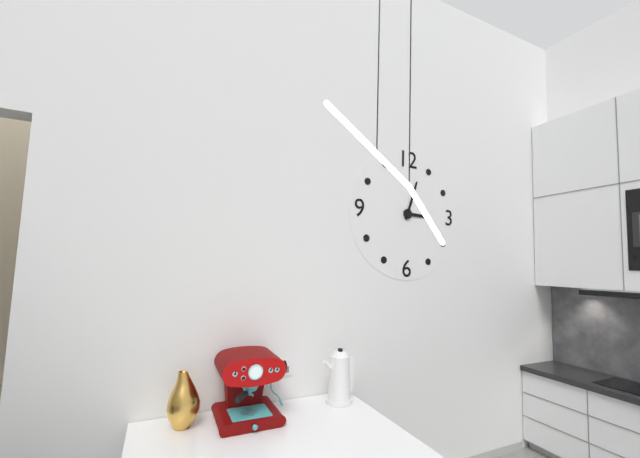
{"hour": 3, "minute": 3}
